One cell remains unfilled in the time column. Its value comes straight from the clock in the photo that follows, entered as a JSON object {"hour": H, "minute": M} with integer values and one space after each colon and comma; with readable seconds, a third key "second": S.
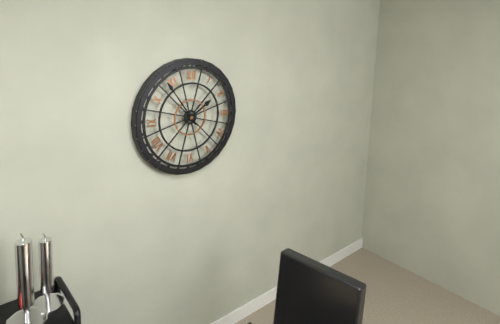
{"hour": 1, "minute": 54}
